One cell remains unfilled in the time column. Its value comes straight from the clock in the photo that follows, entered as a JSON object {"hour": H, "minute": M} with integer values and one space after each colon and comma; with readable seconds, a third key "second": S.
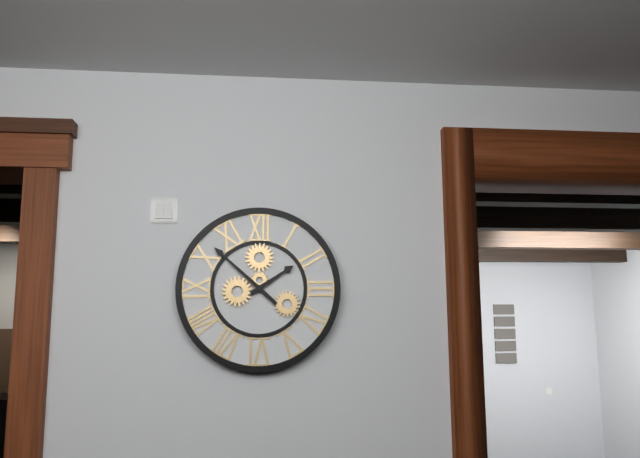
{"hour": 1, "minute": 52}
